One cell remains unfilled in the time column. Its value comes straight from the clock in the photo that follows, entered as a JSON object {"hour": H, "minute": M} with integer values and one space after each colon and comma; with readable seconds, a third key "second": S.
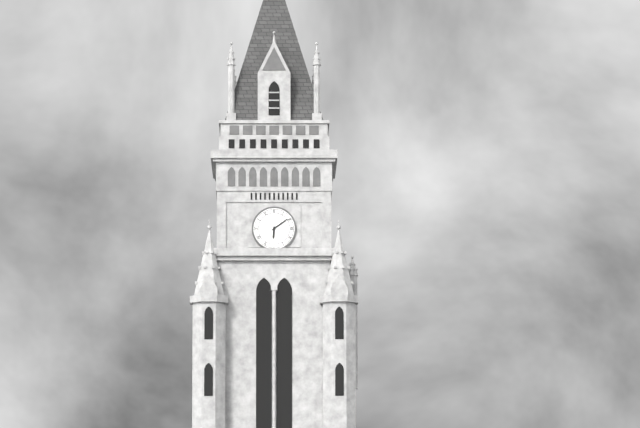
{"hour": 6, "minute": 9}
